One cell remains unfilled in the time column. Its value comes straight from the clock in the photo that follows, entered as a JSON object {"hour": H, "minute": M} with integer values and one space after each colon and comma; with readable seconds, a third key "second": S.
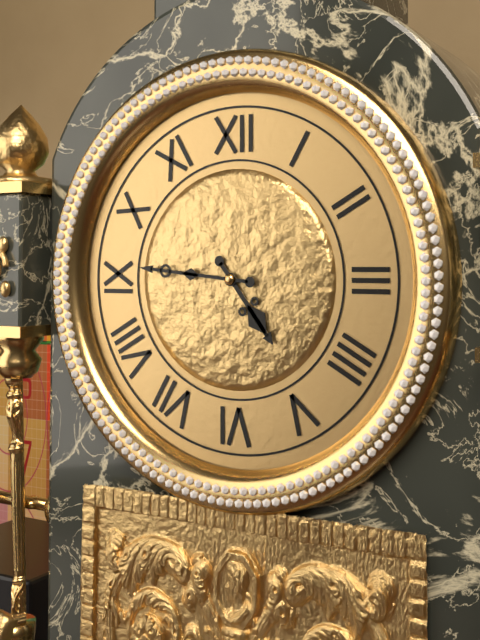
{"hour": 4, "minute": 46}
